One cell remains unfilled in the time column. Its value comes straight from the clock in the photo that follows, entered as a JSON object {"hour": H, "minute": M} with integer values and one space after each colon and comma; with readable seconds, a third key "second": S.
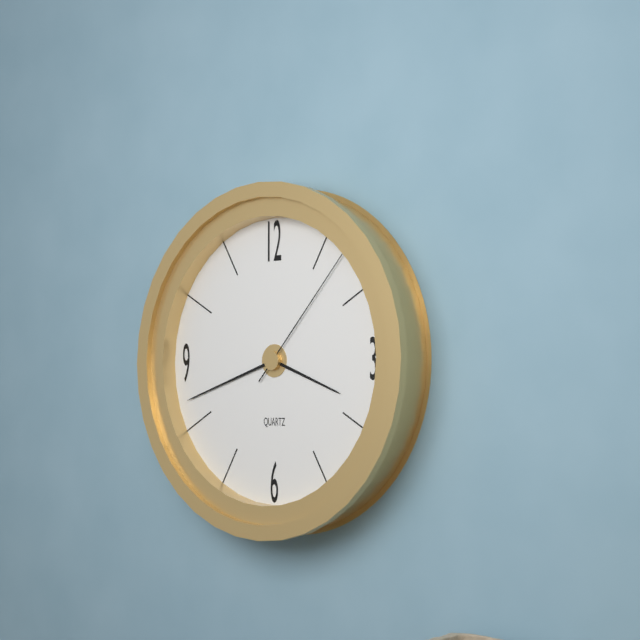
{"hour": 3, "minute": 42, "second": 7}
